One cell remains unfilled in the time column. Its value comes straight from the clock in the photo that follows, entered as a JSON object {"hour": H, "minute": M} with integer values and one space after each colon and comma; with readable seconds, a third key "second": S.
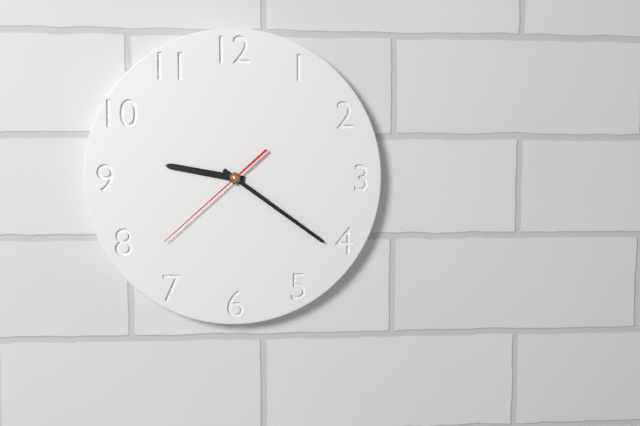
{"hour": 9, "minute": 21, "second": 38}
